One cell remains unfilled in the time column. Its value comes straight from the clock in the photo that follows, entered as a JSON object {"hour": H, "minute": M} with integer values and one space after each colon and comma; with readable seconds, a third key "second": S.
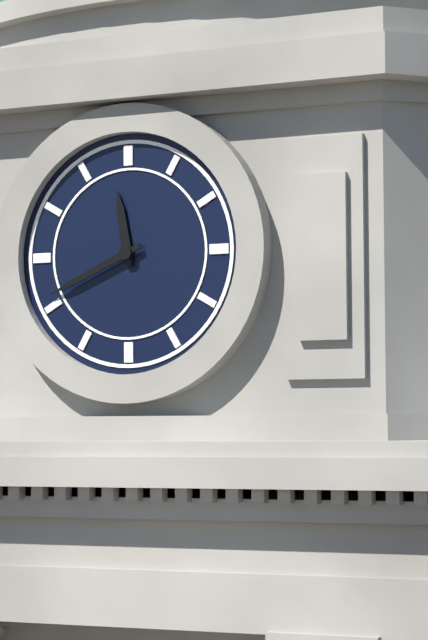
{"hour": 11, "minute": 41}
